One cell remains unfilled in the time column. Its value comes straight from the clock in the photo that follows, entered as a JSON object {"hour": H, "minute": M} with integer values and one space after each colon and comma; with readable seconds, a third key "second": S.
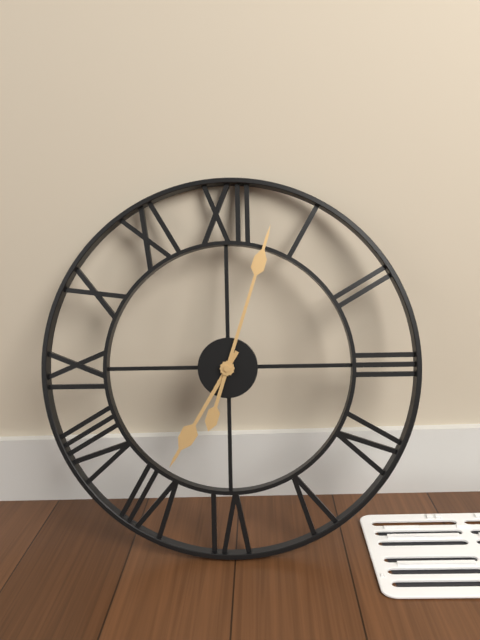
{"hour": 7, "minute": 3}
